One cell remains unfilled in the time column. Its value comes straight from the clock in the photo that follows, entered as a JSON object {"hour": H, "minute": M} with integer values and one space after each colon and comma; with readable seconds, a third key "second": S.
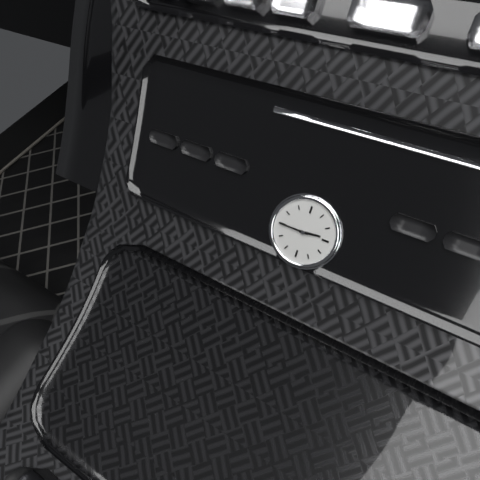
{"hour": 2, "minute": 45}
